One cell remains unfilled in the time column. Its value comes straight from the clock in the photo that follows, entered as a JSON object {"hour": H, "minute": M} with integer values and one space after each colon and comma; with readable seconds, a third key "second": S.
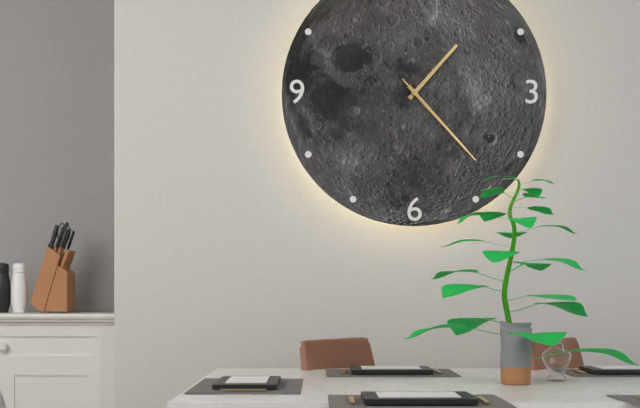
{"hour": 1, "minute": 23, "second": 23}
